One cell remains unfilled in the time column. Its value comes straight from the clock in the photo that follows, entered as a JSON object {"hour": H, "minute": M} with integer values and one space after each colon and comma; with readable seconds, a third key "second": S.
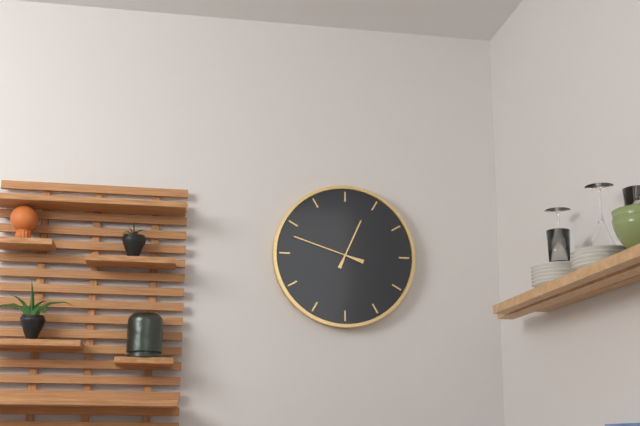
{"hour": 12, "minute": 48}
